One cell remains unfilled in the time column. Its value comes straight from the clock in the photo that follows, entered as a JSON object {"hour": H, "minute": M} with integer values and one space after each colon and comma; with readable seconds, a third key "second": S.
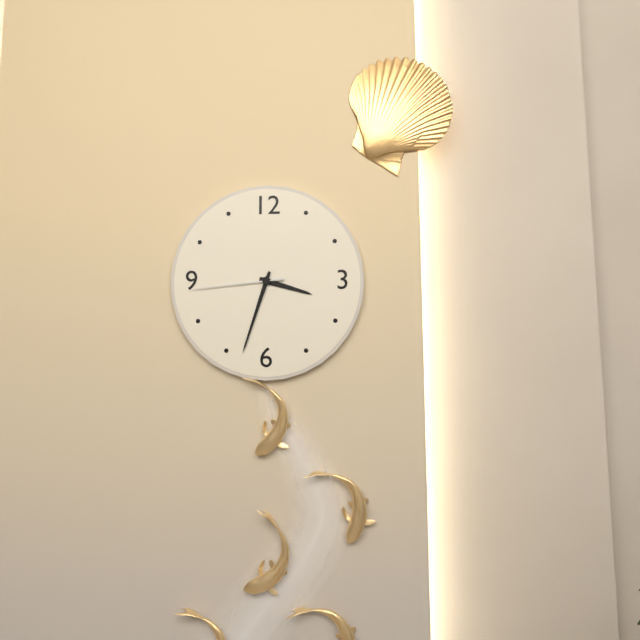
{"hour": 3, "minute": 33, "second": 44}
